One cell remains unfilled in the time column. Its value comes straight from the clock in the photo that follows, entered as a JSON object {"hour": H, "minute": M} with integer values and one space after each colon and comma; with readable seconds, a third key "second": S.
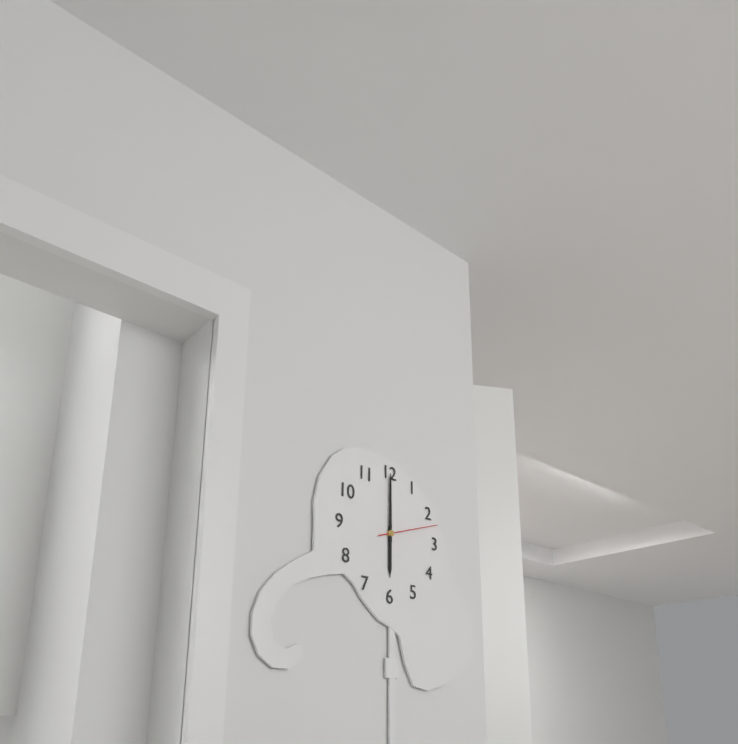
{"hour": 6, "minute": 0, "second": 12}
